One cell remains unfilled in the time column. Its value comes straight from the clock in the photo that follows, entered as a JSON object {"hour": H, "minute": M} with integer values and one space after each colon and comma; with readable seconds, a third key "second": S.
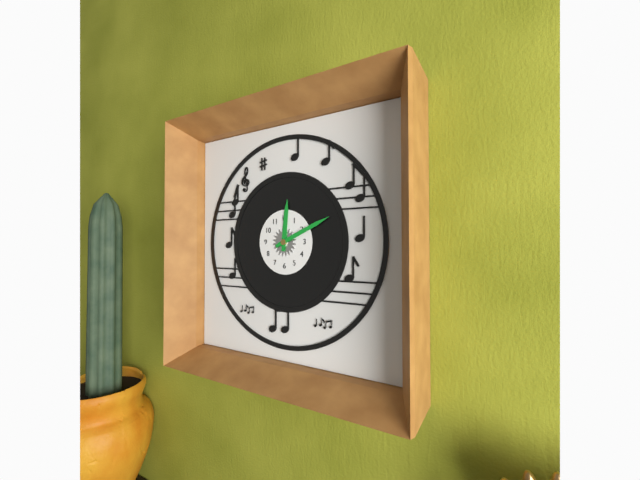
{"hour": 12, "minute": 11}
